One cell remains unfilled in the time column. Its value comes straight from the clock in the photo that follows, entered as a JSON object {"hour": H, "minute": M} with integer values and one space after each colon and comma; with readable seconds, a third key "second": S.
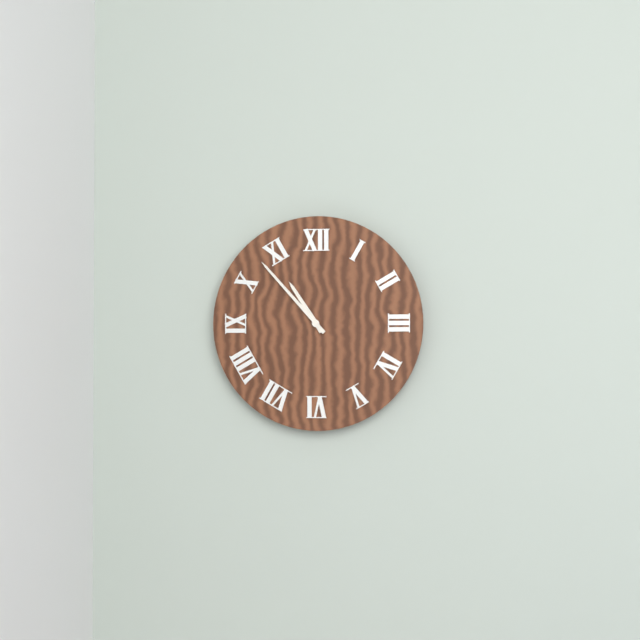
{"hour": 10, "minute": 53}
